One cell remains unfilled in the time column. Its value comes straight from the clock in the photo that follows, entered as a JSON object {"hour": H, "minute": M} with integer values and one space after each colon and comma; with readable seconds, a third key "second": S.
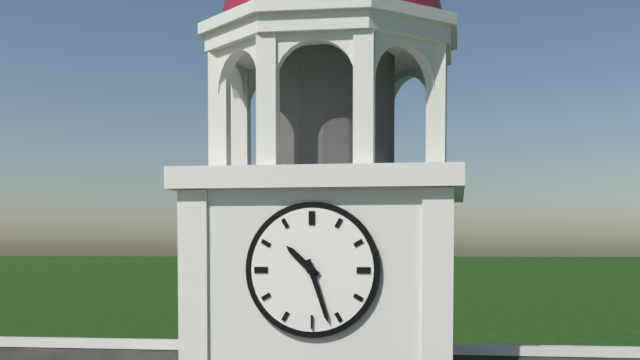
{"hour": 10, "minute": 27}
